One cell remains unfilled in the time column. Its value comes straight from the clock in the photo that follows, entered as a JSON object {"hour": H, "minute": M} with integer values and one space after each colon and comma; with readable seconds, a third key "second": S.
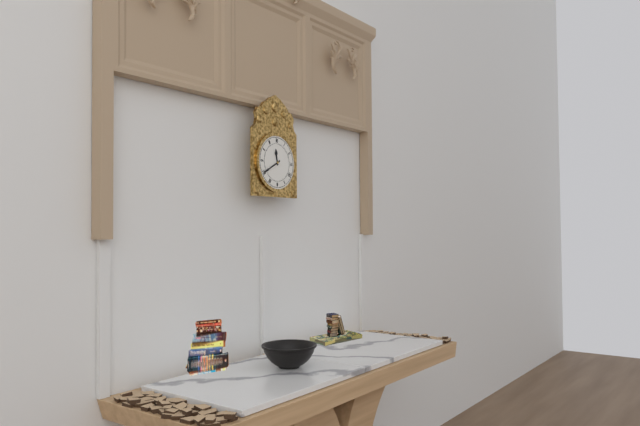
{"hour": 11, "minute": 40}
